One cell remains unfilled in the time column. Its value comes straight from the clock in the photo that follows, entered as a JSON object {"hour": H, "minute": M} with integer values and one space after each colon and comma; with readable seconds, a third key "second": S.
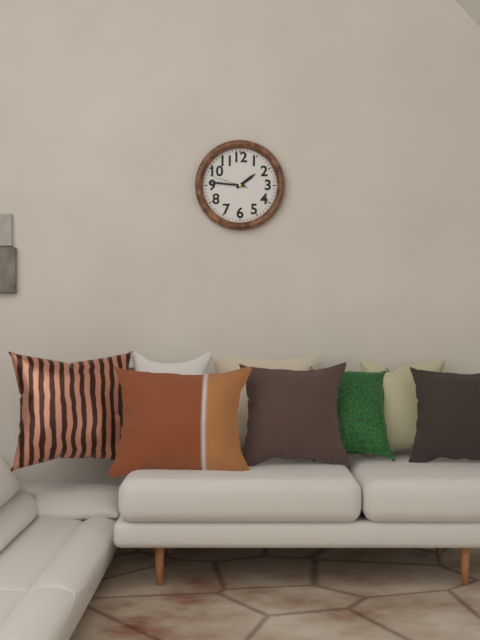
{"hour": 1, "minute": 46}
